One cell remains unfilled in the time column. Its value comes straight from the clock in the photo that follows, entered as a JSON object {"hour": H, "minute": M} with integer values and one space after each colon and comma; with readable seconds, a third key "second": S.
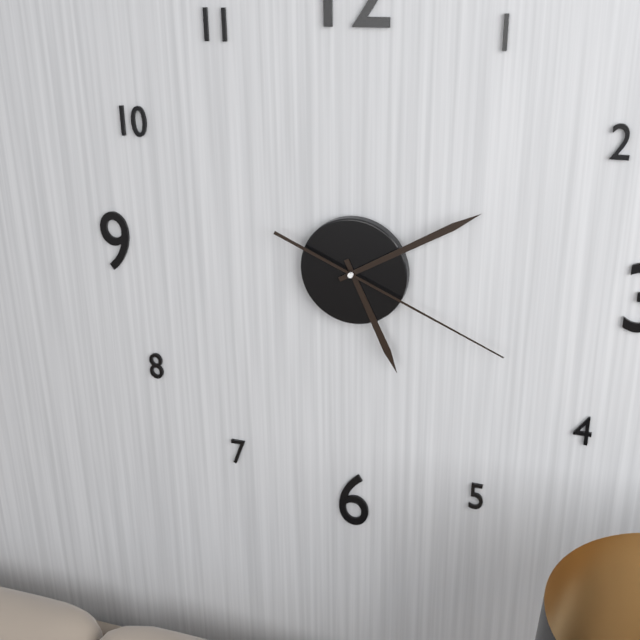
{"hour": 5, "minute": 10, "second": 19}
